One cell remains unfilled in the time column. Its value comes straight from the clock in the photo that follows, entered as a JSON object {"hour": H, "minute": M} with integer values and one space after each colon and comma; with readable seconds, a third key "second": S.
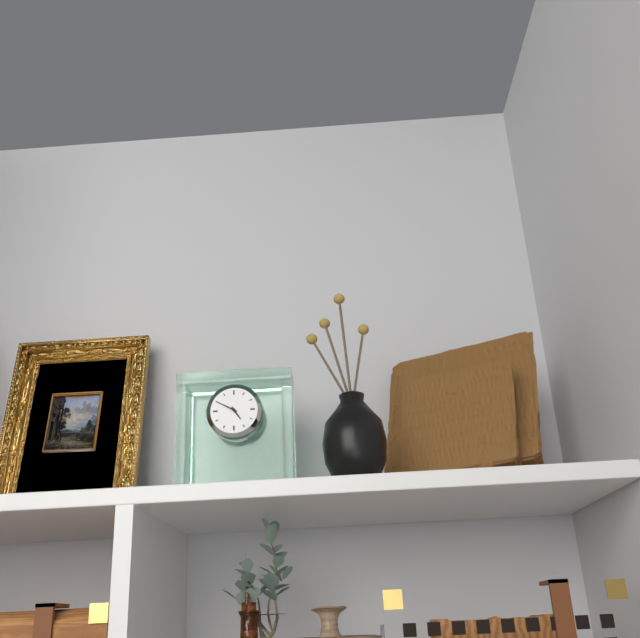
{"hour": 4, "minute": 50}
